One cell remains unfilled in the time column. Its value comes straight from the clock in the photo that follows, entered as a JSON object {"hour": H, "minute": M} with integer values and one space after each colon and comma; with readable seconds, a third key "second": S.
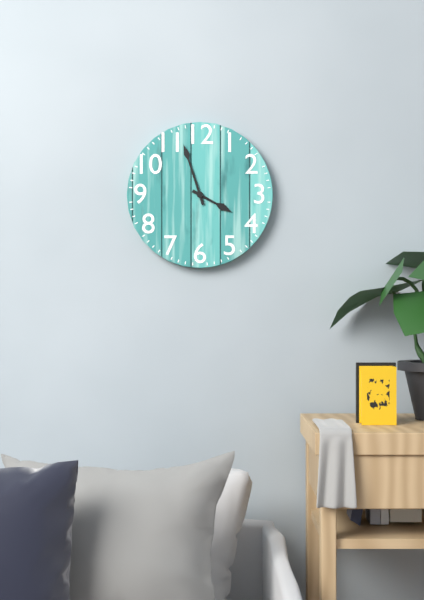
{"hour": 3, "minute": 57}
